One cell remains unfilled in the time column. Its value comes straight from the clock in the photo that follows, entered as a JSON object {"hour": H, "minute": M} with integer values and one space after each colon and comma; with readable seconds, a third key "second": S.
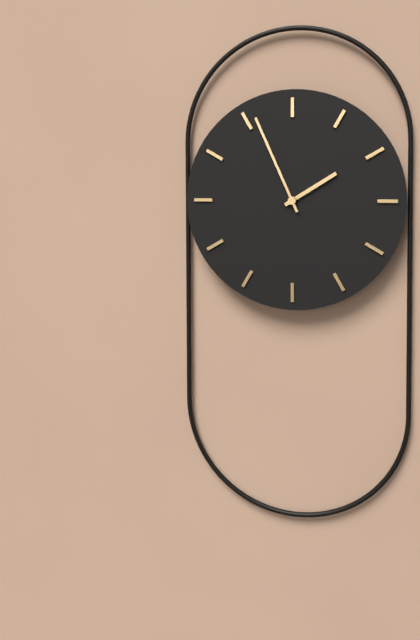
{"hour": 1, "minute": 56}
